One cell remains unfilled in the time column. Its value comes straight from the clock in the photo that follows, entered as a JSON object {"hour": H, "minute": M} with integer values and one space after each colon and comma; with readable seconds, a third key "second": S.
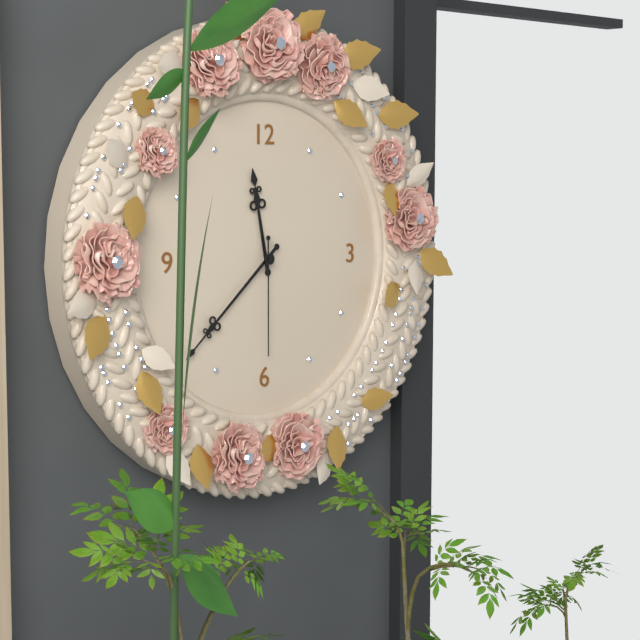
{"hour": 11, "minute": 38, "second": 30}
